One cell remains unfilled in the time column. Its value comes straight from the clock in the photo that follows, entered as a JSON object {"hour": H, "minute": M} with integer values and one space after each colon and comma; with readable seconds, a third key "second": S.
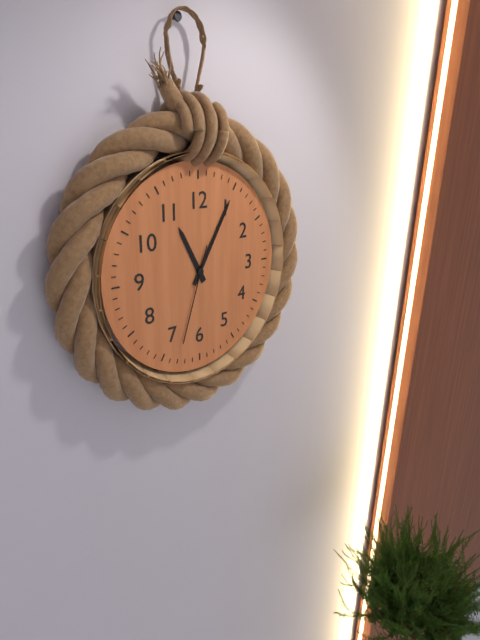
{"hour": 11, "minute": 5, "second": 33}
